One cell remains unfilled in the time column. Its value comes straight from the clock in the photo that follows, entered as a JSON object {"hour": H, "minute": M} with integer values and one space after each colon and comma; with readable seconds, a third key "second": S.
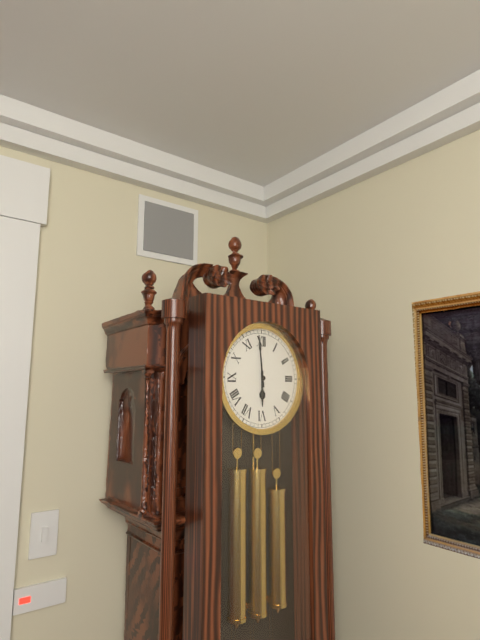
{"hour": 5, "minute": 59}
